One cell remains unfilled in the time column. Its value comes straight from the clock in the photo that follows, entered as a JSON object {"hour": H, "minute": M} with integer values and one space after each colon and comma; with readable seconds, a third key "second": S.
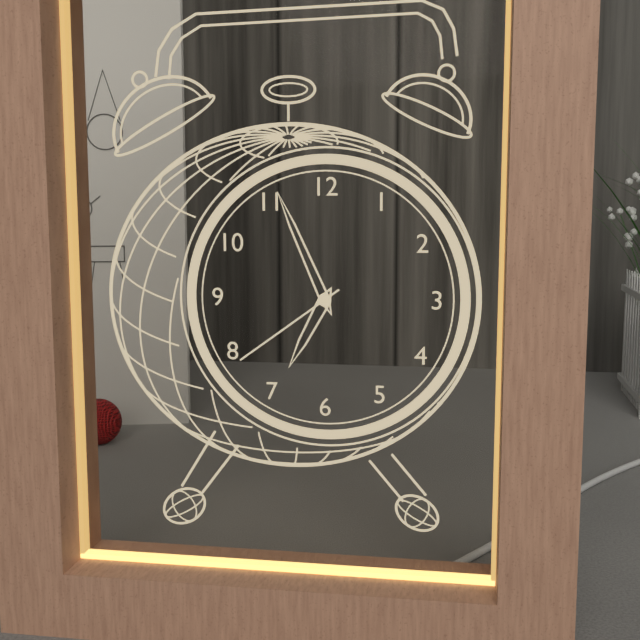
{"hour": 6, "minute": 56, "second": 39}
